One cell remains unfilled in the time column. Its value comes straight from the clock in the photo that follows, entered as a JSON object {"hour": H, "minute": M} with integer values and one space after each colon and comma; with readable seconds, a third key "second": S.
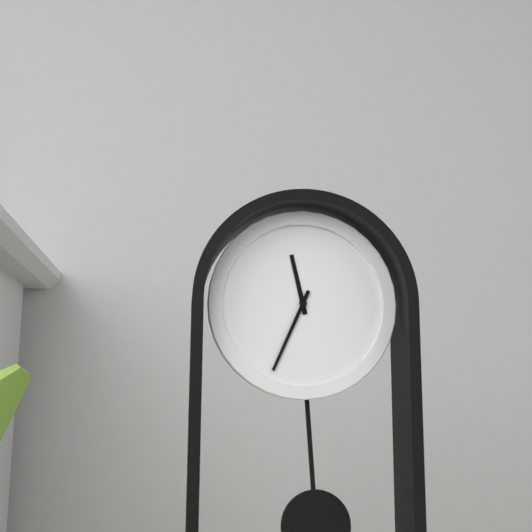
{"hour": 11, "minute": 34}
